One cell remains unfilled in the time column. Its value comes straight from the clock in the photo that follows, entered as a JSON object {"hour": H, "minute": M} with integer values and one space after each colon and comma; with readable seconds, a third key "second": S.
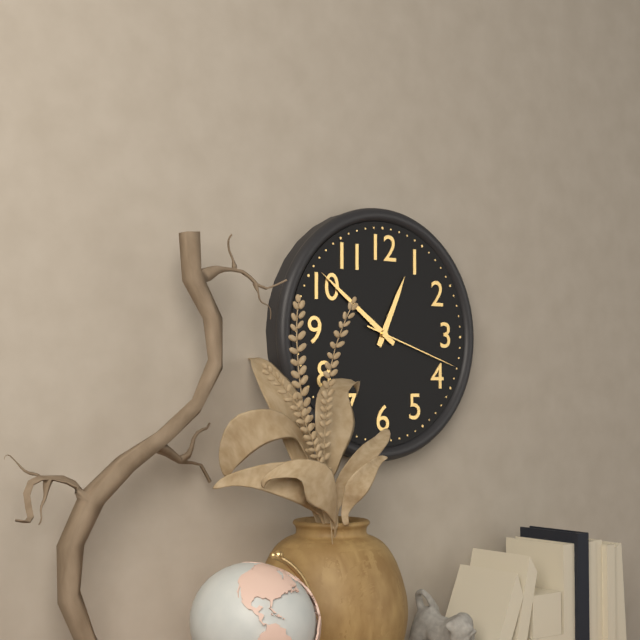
{"hour": 12, "minute": 51, "second": 18}
